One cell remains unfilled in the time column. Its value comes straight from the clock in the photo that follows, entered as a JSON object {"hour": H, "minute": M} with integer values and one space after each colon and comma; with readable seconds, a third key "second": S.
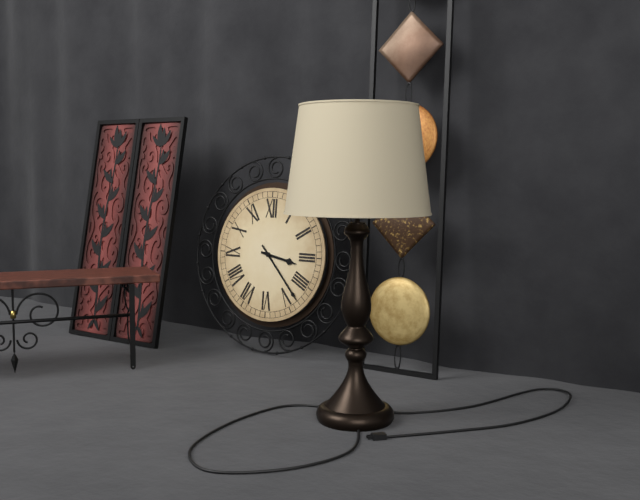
{"hour": 3, "minute": 23}
